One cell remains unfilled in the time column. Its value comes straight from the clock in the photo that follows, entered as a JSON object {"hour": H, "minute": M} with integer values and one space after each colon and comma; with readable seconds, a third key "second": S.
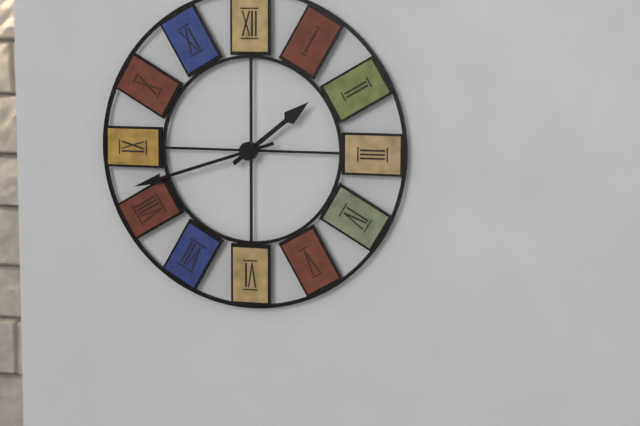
{"hour": 1, "minute": 42}
